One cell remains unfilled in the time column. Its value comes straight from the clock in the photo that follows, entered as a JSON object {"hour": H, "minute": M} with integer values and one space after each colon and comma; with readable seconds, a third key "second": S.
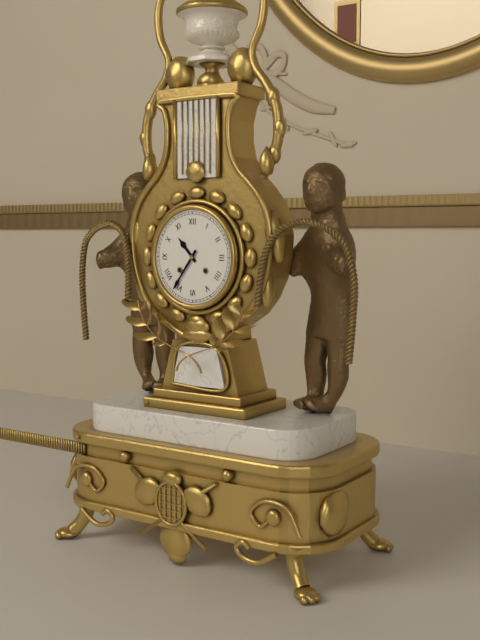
{"hour": 10, "minute": 36}
